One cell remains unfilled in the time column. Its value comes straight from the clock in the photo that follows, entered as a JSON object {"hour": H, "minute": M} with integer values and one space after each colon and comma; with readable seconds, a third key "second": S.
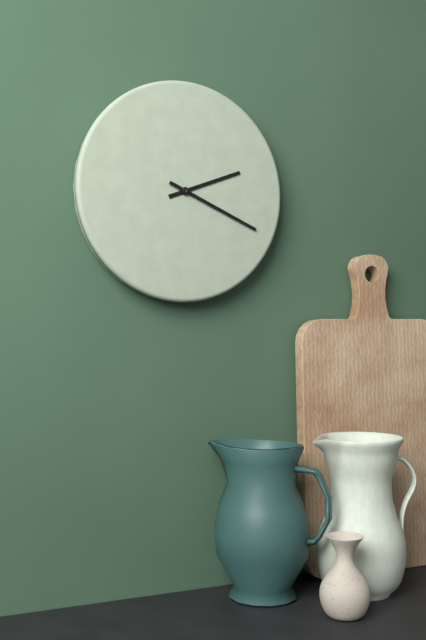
{"hour": 2, "minute": 19}
